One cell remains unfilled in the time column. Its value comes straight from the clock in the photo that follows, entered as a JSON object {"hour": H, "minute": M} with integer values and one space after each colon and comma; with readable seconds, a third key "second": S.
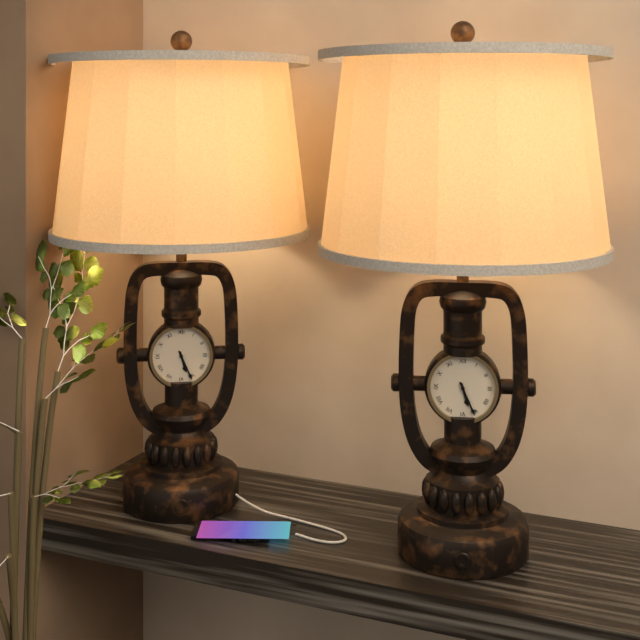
{"hour": 5, "minute": 26}
